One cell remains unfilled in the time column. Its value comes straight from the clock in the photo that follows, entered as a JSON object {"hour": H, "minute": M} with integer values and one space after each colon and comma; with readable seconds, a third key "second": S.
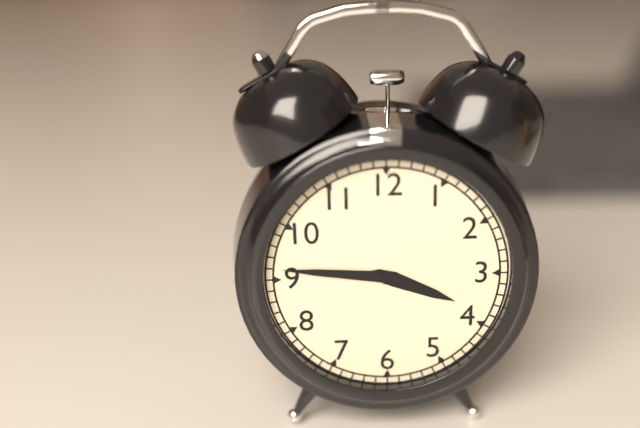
{"hour": 3, "minute": 46}
